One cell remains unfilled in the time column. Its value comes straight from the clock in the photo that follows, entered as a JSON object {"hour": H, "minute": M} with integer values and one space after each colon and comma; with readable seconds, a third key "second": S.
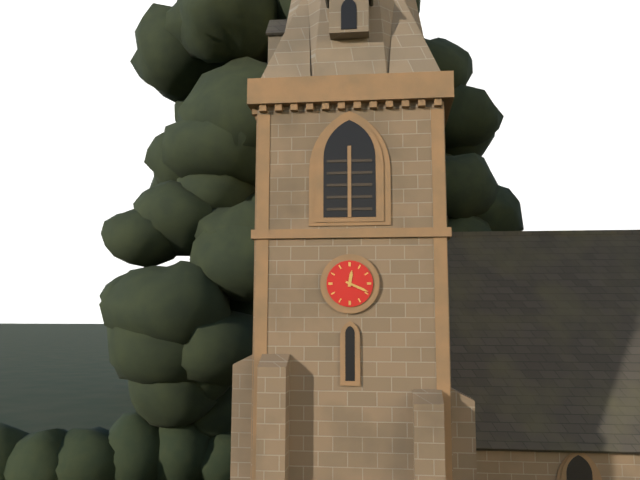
{"hour": 12, "minute": 19}
